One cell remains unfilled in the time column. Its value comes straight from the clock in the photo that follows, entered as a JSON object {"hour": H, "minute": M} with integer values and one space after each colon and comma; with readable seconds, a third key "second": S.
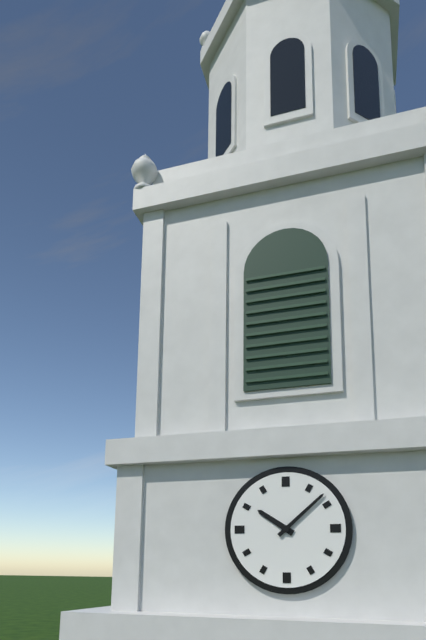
{"hour": 10, "minute": 8}
